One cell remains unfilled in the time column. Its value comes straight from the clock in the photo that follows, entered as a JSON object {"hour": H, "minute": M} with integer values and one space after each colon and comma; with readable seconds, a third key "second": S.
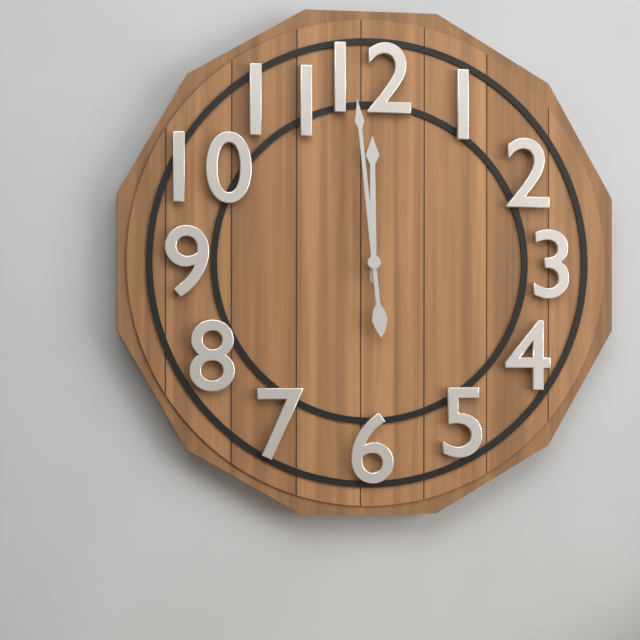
{"hour": 11, "minute": 59}
